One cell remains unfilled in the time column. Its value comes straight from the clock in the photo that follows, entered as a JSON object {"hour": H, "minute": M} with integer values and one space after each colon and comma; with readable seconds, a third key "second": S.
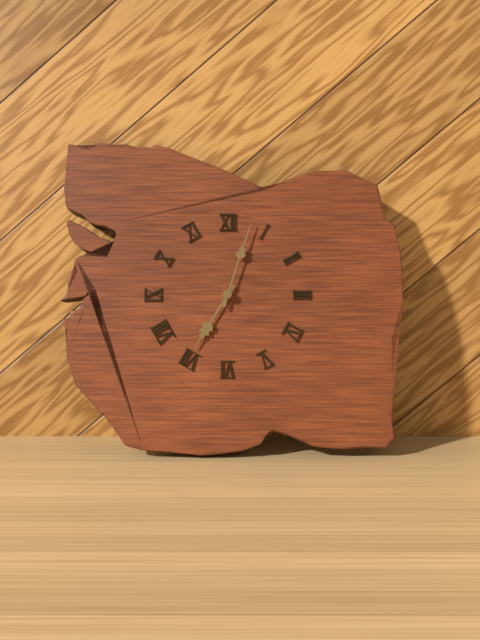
{"hour": 7, "minute": 3}
